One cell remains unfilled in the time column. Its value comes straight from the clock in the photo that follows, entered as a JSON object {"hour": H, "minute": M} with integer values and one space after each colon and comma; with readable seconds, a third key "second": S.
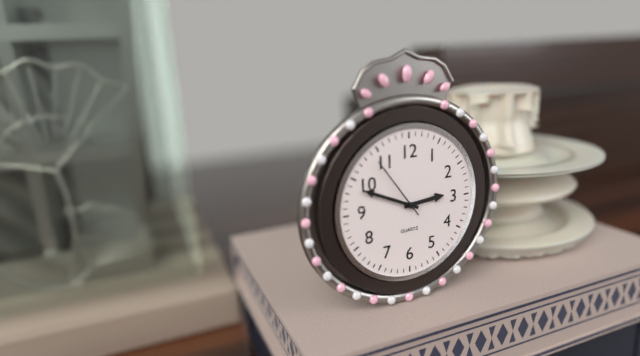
{"hour": 2, "minute": 49, "second": 54}
